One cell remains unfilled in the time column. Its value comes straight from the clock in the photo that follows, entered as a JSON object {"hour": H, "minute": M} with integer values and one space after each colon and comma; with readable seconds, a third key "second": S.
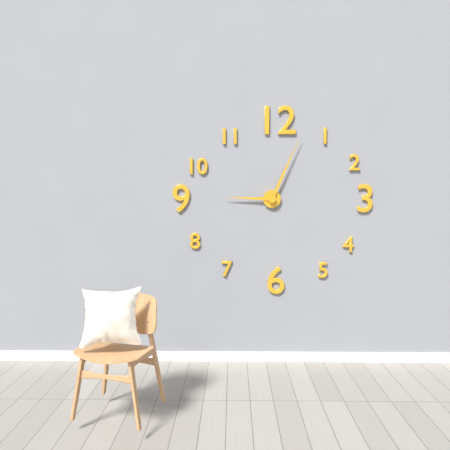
{"hour": 9, "minute": 4}
